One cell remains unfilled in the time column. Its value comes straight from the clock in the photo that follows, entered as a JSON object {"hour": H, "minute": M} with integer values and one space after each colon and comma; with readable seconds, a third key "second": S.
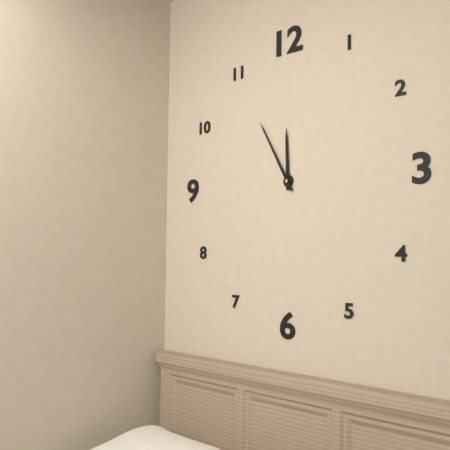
{"hour": 11, "minute": 55}
